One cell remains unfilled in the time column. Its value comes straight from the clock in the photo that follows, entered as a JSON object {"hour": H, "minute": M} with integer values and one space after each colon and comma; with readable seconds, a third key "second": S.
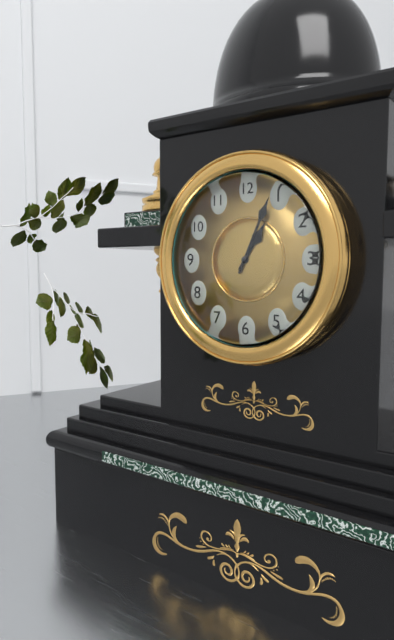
{"hour": 1, "minute": 4}
